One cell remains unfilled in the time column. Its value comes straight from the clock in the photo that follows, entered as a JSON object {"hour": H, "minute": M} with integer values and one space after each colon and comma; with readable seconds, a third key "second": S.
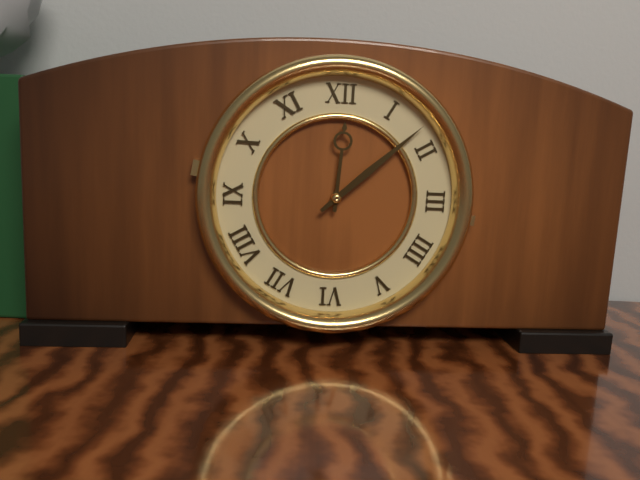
{"hour": 12, "minute": 8}
